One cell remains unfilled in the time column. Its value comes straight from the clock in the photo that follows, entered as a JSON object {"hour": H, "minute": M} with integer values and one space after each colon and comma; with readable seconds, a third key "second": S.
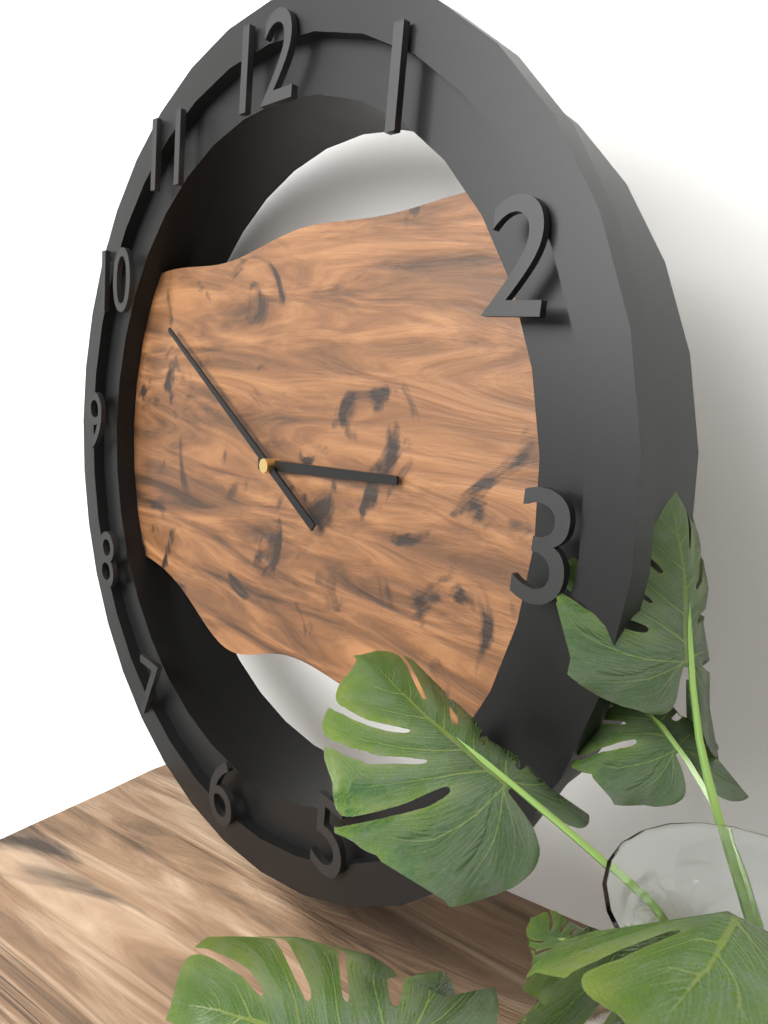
{"hour": 2, "minute": 50}
